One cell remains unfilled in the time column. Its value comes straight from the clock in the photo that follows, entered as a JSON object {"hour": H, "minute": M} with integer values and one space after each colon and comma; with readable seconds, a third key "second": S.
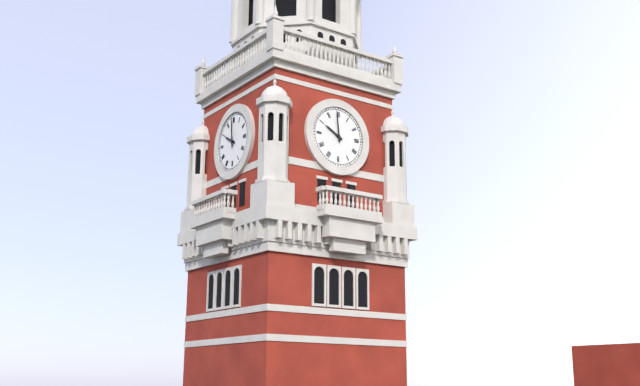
{"hour": 9, "minute": 59}
